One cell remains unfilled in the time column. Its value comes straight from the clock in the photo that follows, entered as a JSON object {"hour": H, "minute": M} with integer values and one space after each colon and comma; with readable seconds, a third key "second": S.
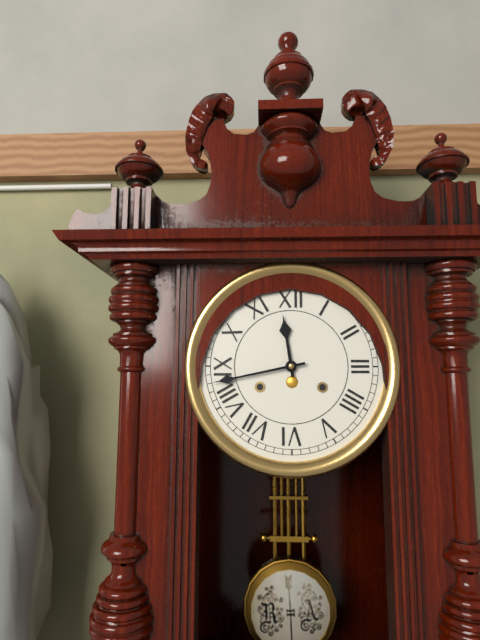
{"hour": 11, "minute": 43}
